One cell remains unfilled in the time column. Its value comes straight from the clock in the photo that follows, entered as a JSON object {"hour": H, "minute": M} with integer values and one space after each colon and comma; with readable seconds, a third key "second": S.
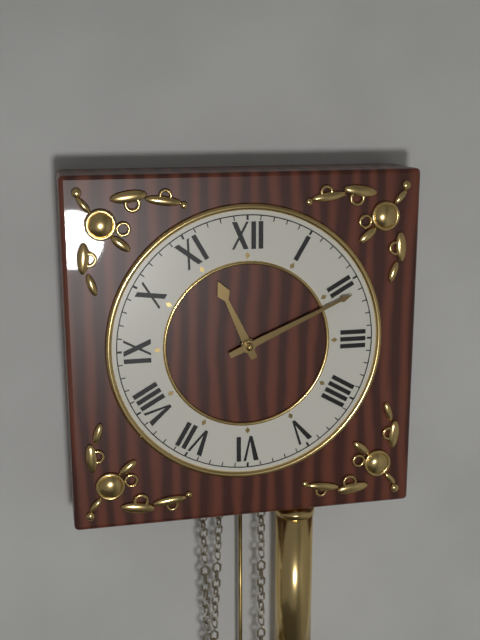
{"hour": 11, "minute": 11}
